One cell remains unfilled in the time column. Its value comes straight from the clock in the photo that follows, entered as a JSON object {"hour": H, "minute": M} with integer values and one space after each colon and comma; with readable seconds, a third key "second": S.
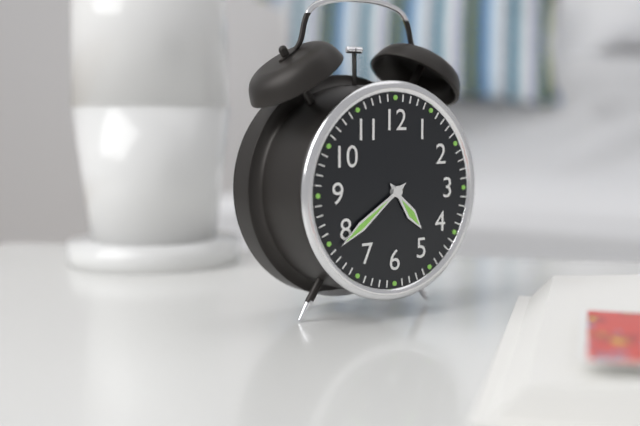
{"hour": 4, "minute": 39}
